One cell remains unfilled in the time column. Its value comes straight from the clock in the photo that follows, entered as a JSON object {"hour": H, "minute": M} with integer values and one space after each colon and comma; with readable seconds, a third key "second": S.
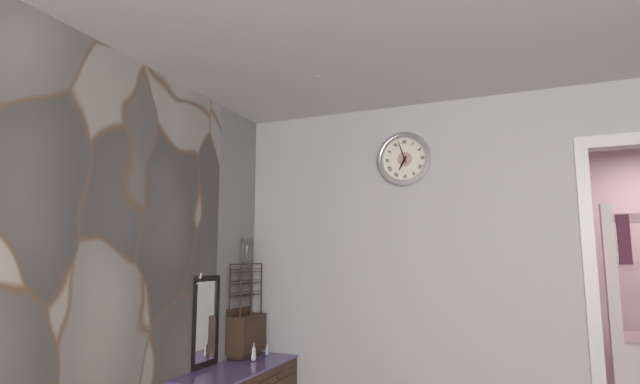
{"hour": 6, "minute": 57}
